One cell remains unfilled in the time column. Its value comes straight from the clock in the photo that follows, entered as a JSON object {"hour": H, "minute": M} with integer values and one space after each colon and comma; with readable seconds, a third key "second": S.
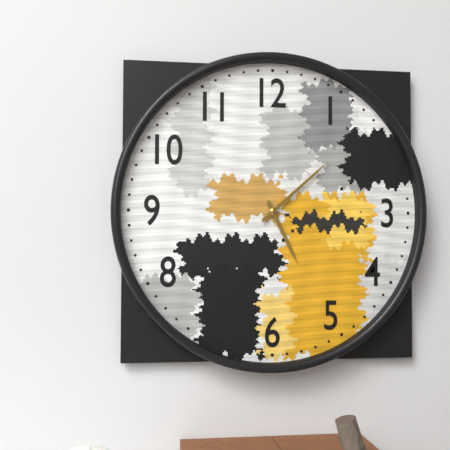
{"hour": 5, "minute": 8}
